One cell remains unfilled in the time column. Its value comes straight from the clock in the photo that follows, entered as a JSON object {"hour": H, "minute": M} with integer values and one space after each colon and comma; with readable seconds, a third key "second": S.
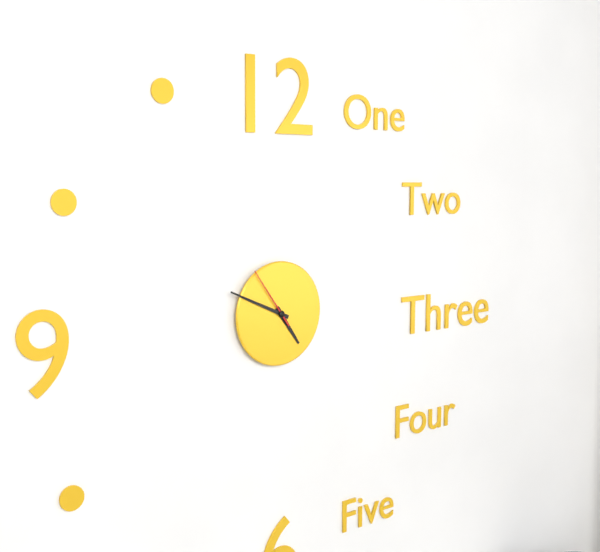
{"hour": 4, "minute": 49, "second": 54}
